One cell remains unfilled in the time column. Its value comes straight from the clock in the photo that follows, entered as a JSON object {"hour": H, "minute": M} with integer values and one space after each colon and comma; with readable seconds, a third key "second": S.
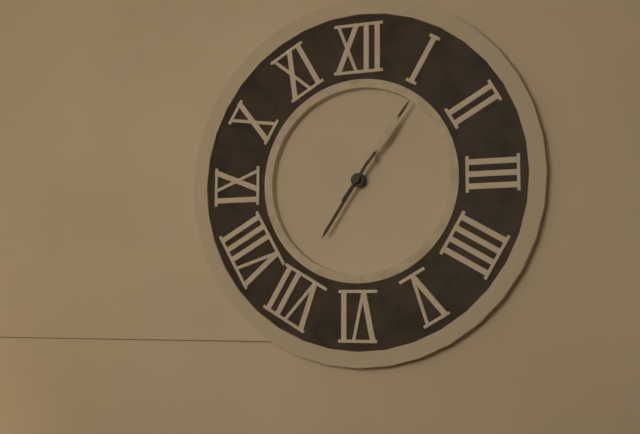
{"hour": 7, "minute": 6}
